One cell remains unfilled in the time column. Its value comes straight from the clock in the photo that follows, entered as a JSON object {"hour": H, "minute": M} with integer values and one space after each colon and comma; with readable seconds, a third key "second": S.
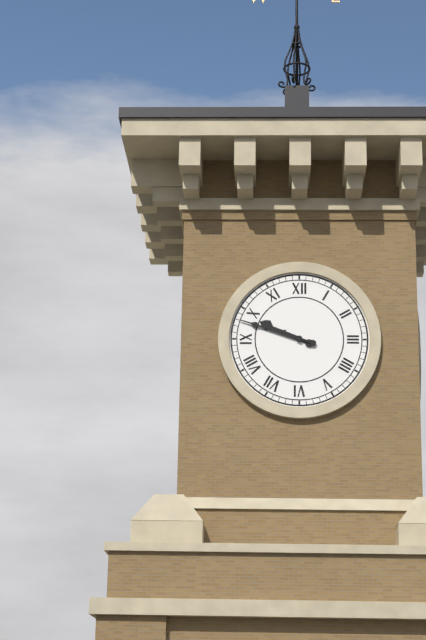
{"hour": 9, "minute": 48}
